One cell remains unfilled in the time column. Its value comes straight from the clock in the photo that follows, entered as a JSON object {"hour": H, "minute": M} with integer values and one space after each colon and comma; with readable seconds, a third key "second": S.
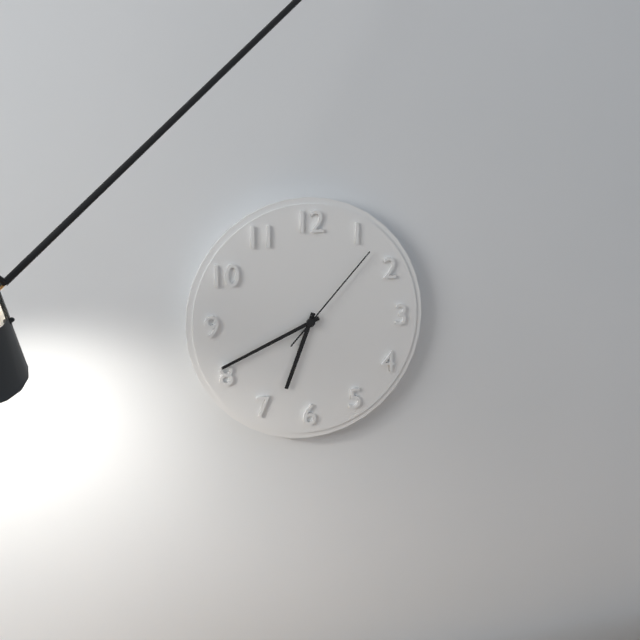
{"hour": 6, "minute": 41, "second": 7}
